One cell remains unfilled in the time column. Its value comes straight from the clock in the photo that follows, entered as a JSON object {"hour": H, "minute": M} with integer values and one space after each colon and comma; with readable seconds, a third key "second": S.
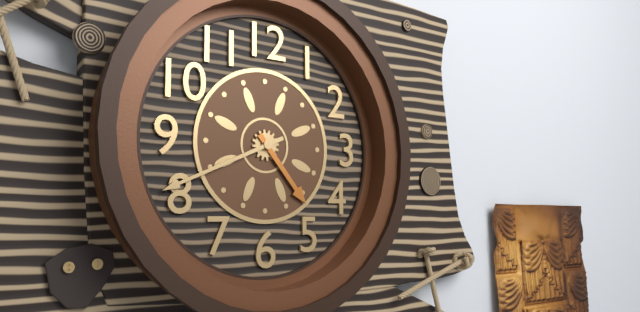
{"hour": 4, "minute": 41}
